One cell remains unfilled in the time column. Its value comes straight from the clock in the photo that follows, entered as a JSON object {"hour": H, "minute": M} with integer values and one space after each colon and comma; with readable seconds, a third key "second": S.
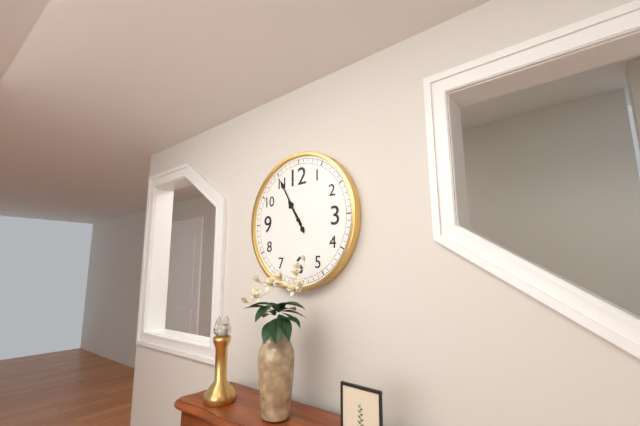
{"hour": 10, "minute": 55}
